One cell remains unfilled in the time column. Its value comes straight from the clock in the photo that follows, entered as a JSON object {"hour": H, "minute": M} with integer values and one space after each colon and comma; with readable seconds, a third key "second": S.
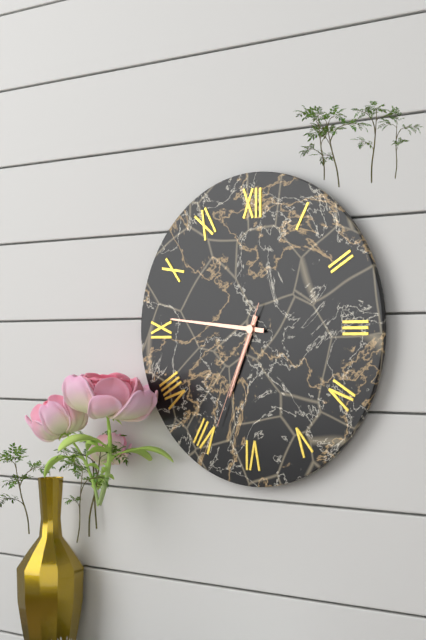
{"hour": 6, "minute": 46, "second": 34}
